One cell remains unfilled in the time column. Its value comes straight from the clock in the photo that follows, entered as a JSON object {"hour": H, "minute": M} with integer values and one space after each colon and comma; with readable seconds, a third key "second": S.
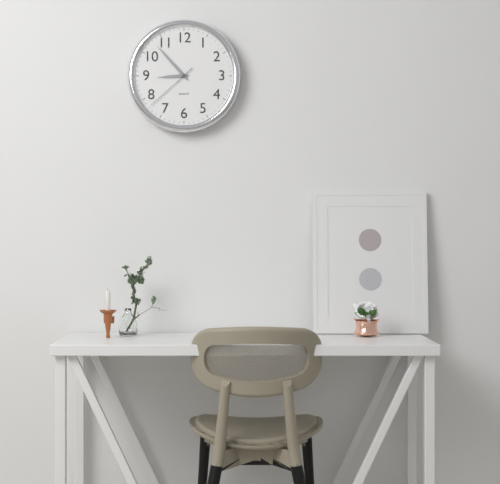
{"hour": 8, "minute": 53, "second": 38}
